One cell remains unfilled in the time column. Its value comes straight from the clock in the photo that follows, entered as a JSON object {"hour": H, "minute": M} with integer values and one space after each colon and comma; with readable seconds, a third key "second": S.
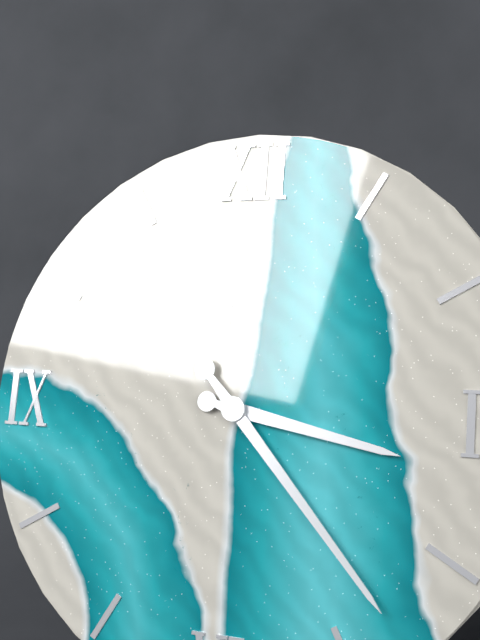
{"hour": 3, "minute": 23}
